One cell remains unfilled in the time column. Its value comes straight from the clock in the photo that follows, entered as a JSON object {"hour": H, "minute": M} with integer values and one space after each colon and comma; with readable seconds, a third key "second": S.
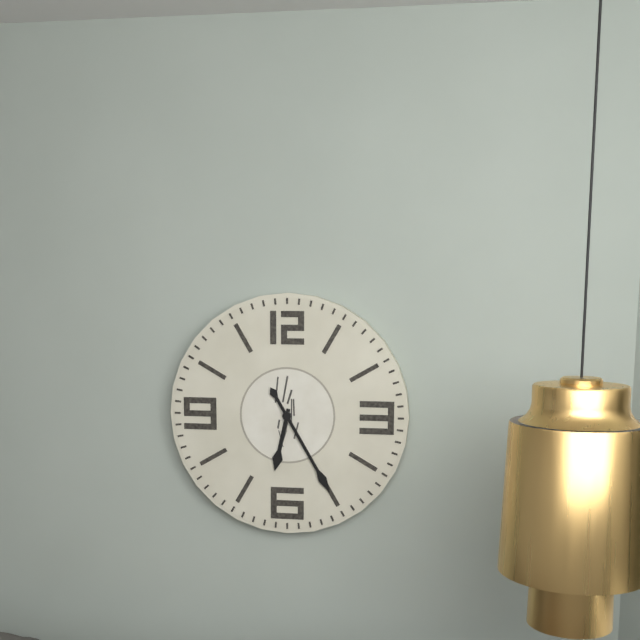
{"hour": 6, "minute": 25}
